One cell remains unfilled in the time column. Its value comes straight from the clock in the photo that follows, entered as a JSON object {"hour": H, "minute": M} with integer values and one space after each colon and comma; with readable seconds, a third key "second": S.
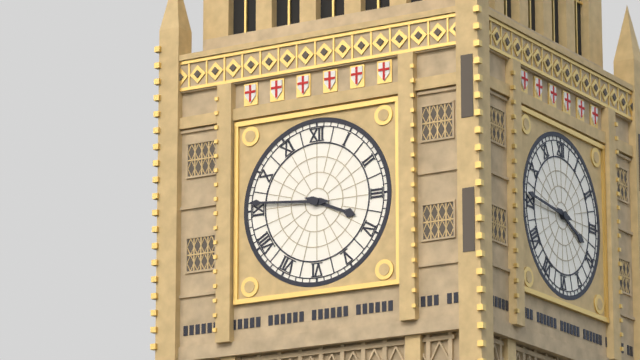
{"hour": 3, "minute": 46}
